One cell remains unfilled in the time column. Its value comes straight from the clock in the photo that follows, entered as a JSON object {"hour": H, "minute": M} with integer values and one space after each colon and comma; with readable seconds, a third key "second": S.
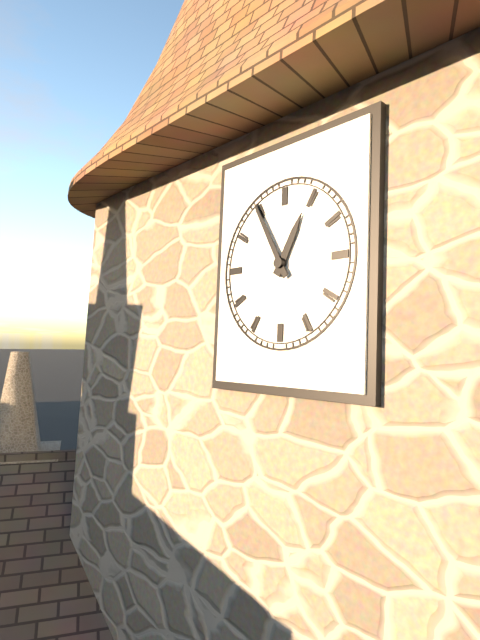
{"hour": 12, "minute": 55}
